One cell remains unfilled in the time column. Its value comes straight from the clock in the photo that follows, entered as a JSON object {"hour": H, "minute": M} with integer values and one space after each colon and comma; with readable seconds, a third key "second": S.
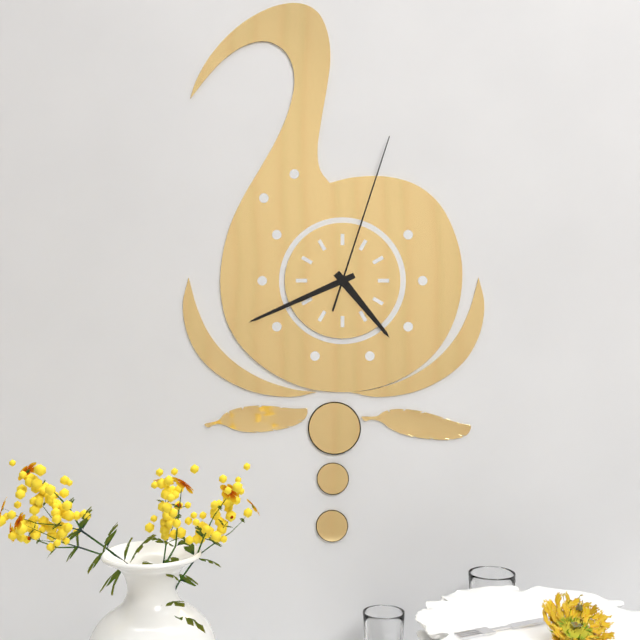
{"hour": 4, "minute": 41, "second": 3}
